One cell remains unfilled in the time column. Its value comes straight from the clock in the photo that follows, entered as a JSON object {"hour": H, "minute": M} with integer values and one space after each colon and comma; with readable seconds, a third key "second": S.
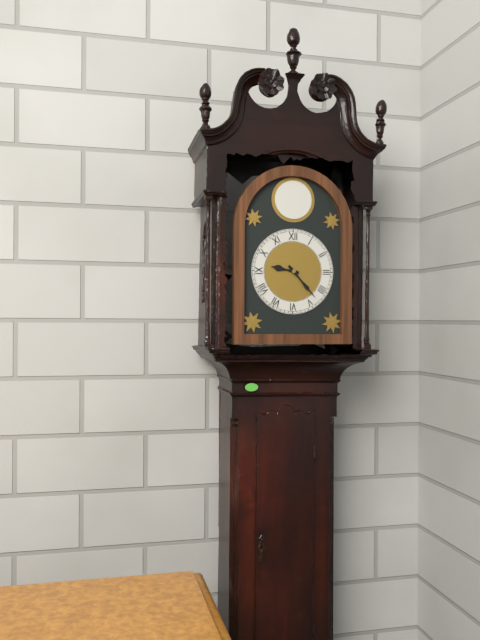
{"hour": 9, "minute": 23}
